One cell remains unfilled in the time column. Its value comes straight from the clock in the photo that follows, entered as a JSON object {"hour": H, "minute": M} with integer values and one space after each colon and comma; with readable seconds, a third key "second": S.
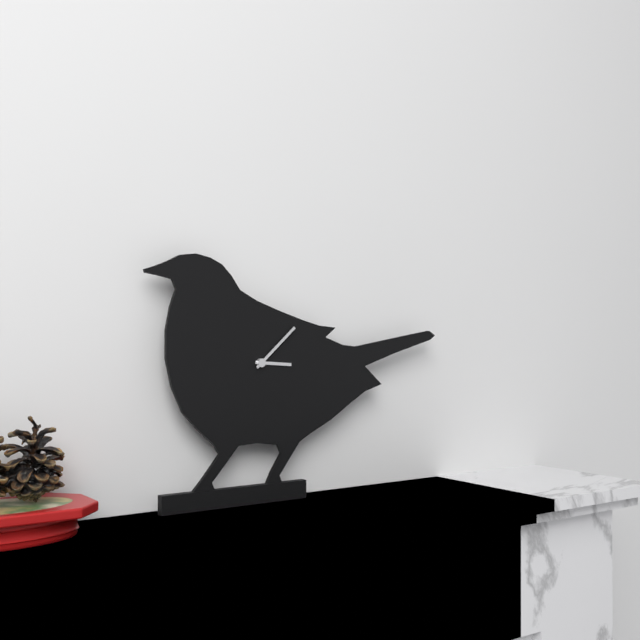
{"hour": 3, "minute": 8}
